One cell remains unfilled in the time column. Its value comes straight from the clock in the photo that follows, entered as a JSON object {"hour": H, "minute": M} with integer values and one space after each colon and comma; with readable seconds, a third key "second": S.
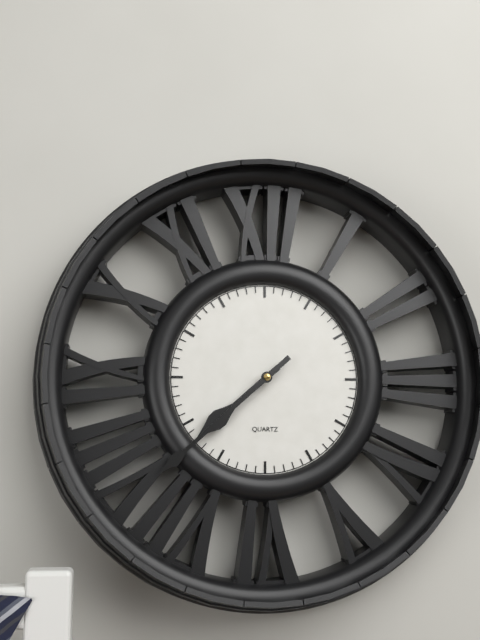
{"hour": 7, "minute": 38}
